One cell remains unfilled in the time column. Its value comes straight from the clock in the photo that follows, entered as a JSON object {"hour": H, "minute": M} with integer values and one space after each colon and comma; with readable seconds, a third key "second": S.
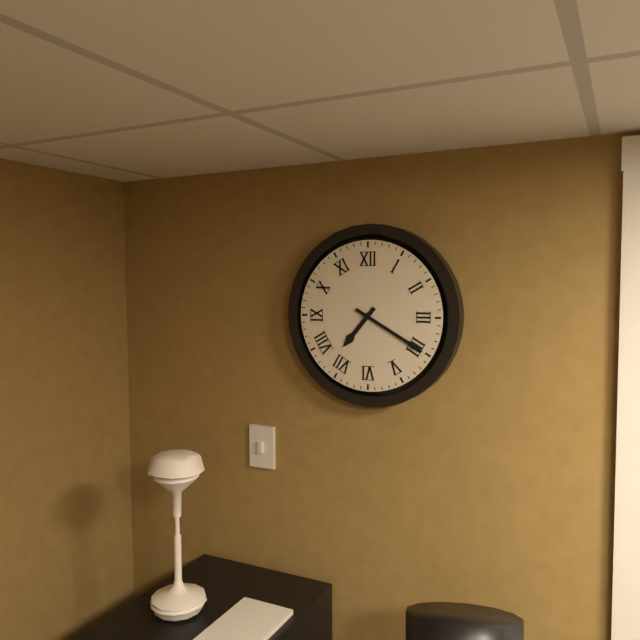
{"hour": 7, "minute": 20}
